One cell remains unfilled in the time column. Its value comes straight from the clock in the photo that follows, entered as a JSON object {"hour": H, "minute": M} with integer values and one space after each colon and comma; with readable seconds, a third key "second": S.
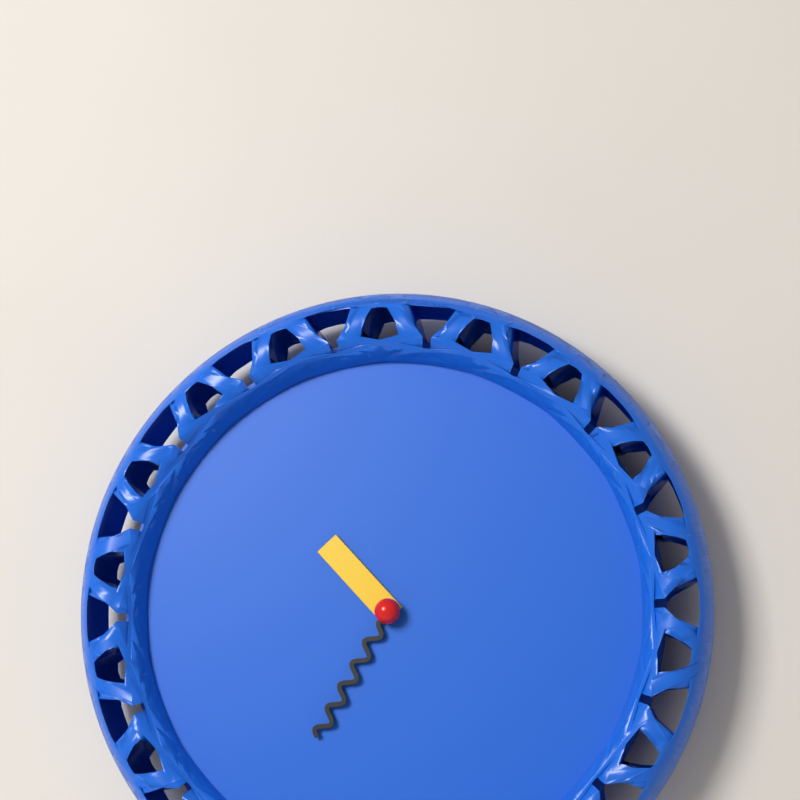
{"hour": 10, "minute": 35}
